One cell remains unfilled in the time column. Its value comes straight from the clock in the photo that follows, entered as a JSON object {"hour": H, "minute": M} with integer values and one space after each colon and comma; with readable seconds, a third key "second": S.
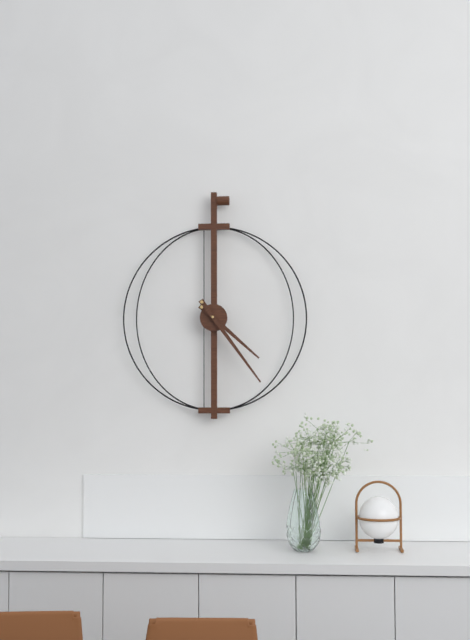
{"hour": 4, "minute": 24}
